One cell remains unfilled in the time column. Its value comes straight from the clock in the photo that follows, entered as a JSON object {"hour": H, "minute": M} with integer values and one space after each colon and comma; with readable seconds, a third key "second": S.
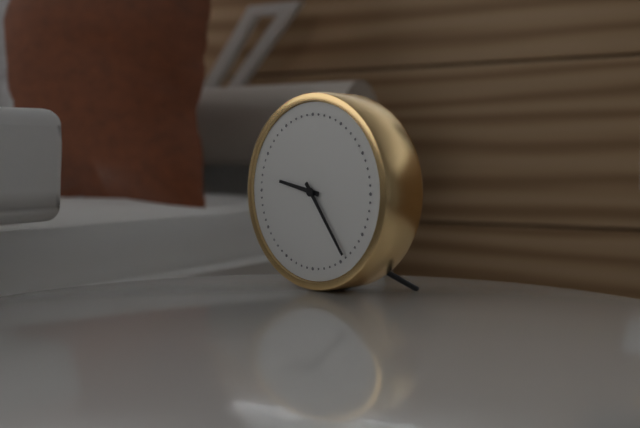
{"hour": 9, "minute": 24}
